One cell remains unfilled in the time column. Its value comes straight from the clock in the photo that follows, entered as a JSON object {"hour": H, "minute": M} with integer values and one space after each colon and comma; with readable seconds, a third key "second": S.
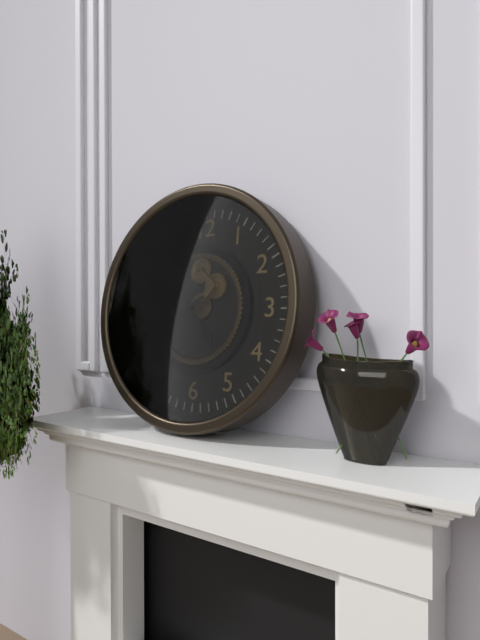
{"hour": 4, "minute": 40}
